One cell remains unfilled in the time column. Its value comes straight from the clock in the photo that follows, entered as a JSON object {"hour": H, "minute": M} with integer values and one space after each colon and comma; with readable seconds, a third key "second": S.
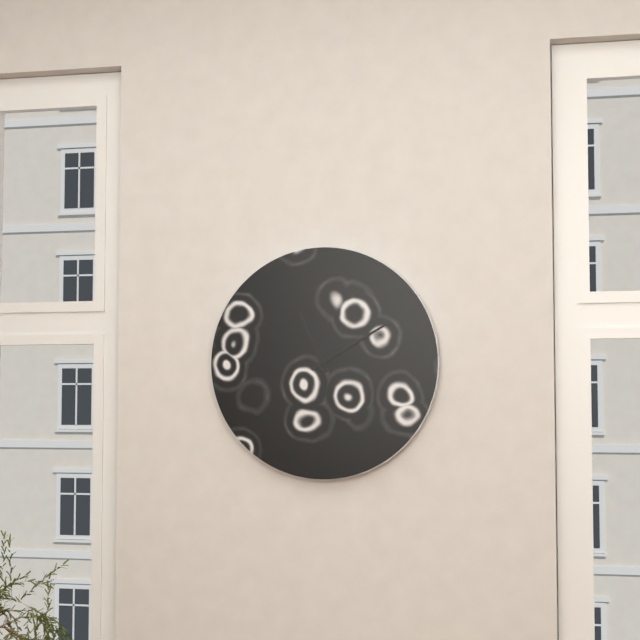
{"hour": 11, "minute": 10}
